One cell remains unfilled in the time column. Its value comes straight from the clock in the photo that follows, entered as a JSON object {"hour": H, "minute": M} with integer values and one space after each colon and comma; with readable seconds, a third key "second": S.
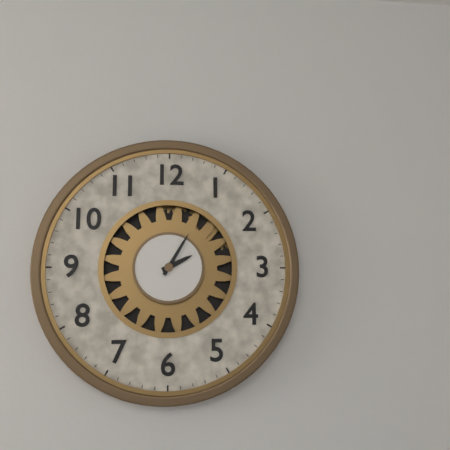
{"hour": 2, "minute": 5}
